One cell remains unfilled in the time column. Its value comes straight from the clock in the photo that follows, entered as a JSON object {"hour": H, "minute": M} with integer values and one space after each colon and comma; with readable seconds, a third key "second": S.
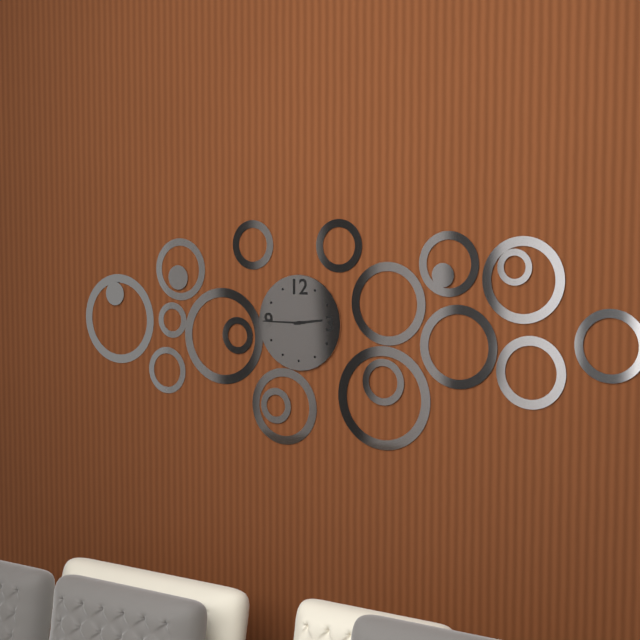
{"hour": 2, "minute": 45}
